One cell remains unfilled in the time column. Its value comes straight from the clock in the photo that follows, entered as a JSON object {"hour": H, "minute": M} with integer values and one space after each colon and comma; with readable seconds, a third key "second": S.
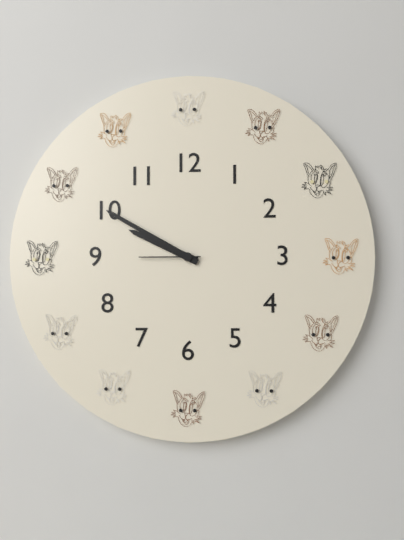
{"hour": 9, "minute": 50, "second": 45}
